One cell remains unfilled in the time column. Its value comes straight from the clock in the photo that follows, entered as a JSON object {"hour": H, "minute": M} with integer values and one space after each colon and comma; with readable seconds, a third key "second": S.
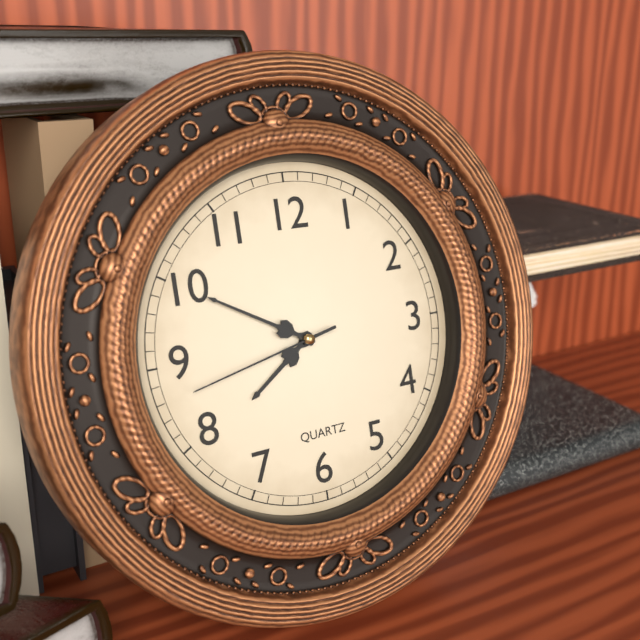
{"hour": 7, "minute": 50, "second": 43}
